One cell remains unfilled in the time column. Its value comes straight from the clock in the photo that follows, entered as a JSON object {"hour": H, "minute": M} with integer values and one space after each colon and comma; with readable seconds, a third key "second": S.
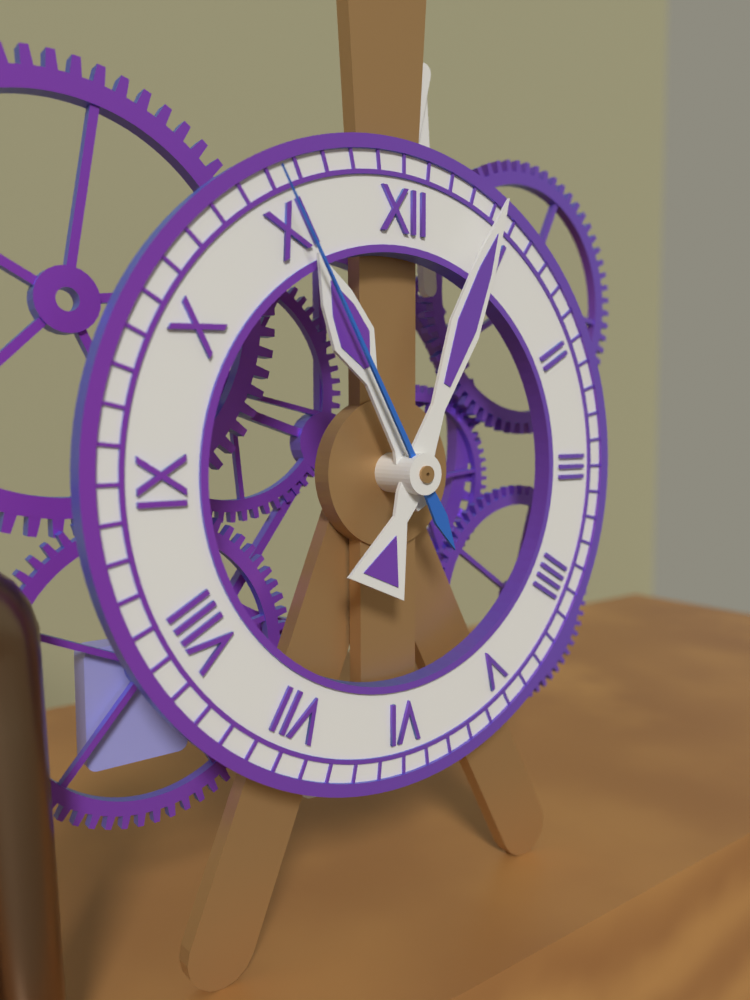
{"hour": 11, "minute": 4, "second": 55}
